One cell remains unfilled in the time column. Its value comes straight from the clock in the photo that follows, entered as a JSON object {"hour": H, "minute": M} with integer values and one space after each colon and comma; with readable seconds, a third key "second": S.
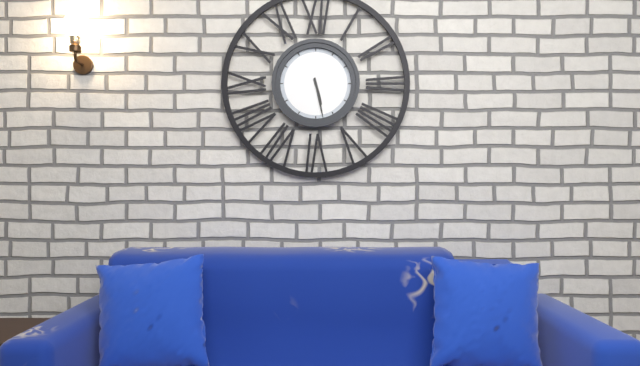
{"hour": 5, "minute": 28}
